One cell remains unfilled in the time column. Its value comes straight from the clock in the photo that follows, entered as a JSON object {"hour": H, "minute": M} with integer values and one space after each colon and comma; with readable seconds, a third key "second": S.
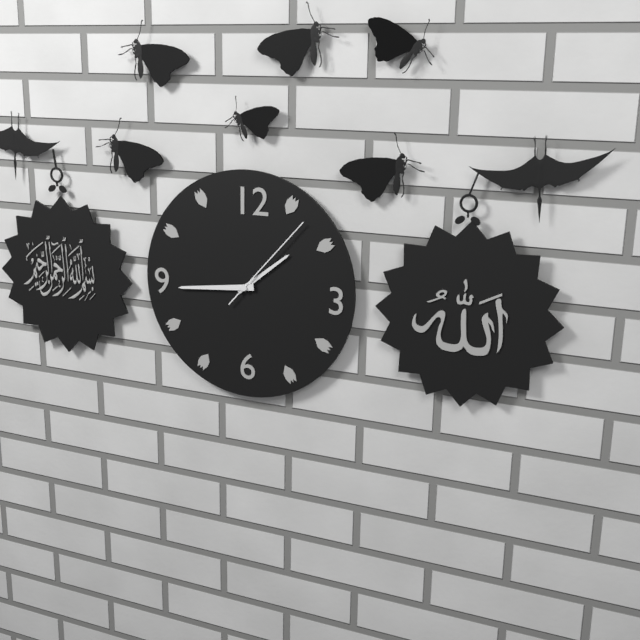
{"hour": 1, "minute": 44, "second": 7}
